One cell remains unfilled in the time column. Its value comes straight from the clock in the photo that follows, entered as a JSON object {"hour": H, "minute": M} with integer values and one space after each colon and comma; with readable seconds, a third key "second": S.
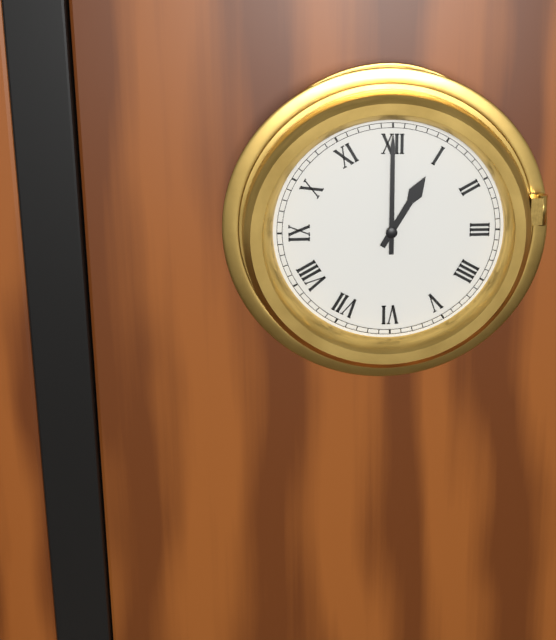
{"hour": 1, "minute": 0}
